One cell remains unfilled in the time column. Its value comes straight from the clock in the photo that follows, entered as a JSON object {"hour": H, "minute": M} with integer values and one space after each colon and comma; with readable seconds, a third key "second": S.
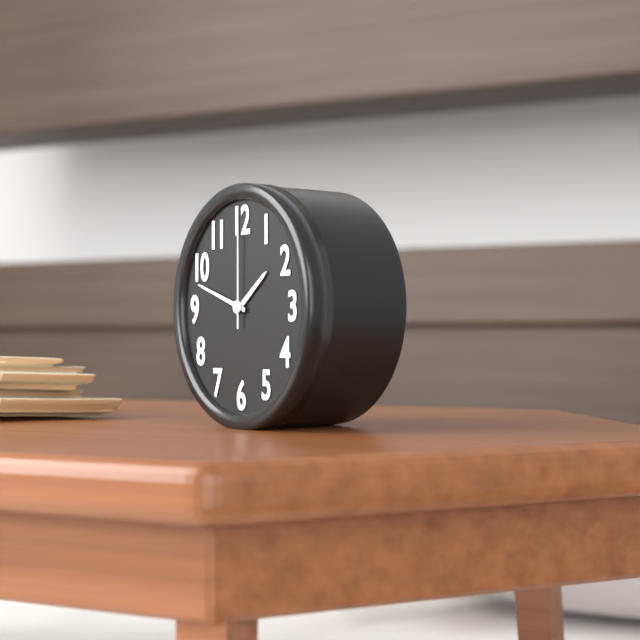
{"hour": 1, "minute": 48, "second": 0}
